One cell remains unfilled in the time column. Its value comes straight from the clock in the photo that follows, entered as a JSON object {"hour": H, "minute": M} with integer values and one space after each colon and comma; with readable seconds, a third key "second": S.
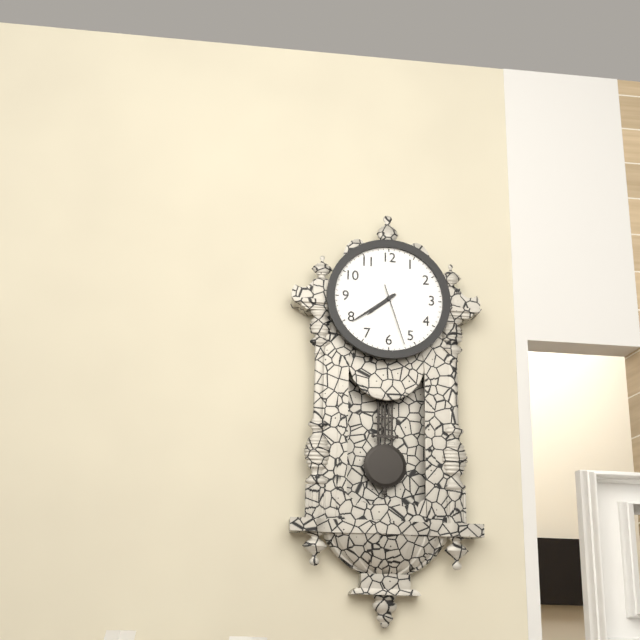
{"hour": 7, "minute": 39, "second": 27}
